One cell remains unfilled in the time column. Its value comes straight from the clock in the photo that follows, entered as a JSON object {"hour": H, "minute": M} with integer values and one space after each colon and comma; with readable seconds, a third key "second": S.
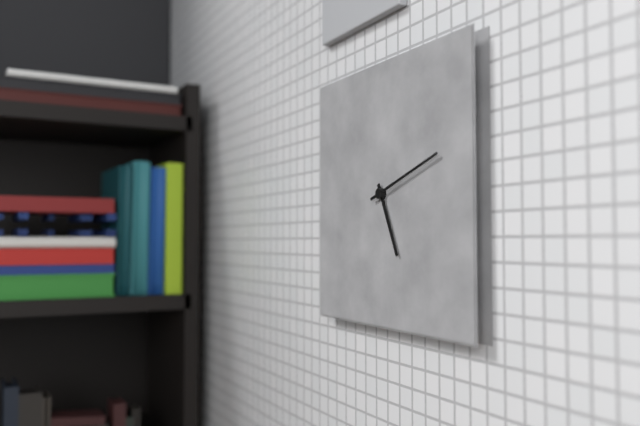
{"hour": 5, "minute": 12}
